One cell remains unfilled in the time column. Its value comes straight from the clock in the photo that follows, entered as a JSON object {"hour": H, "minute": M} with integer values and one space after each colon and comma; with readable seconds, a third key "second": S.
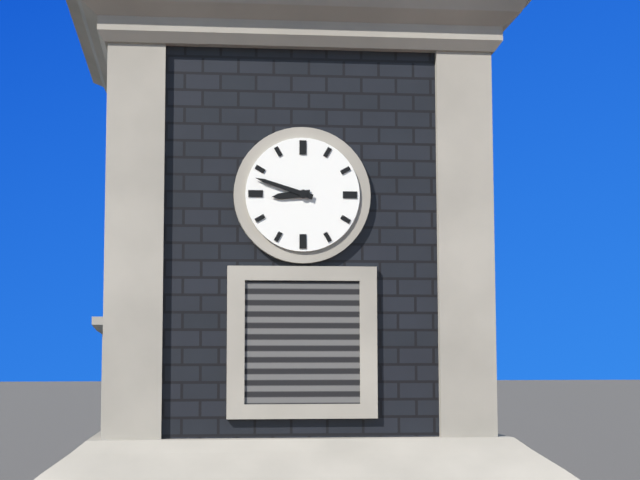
{"hour": 8, "minute": 48}
